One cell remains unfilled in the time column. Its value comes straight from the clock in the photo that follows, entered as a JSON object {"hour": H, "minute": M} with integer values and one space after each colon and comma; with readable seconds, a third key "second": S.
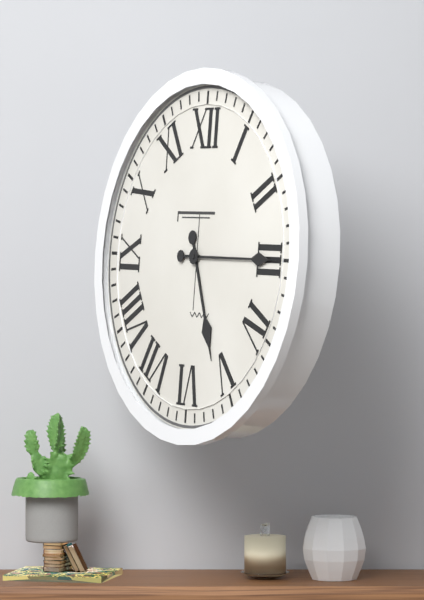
{"hour": 5, "minute": 15}
